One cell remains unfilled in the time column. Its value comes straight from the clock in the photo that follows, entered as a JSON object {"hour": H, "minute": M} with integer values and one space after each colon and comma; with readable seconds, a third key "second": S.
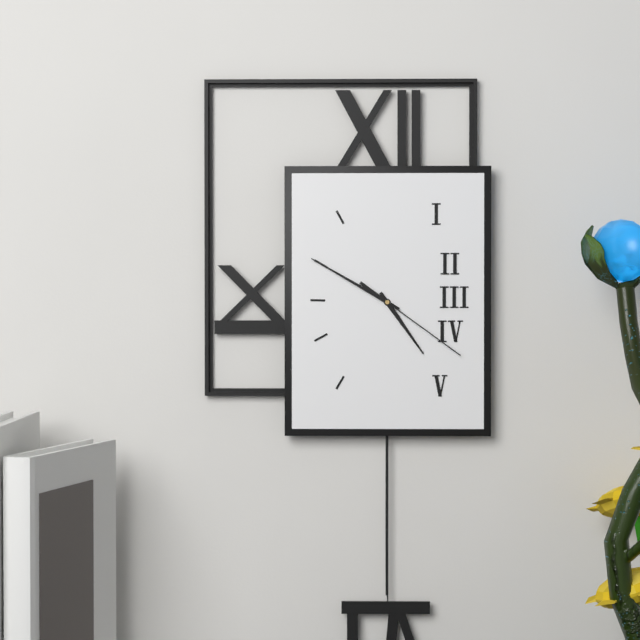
{"hour": 4, "minute": 50, "second": 21}
